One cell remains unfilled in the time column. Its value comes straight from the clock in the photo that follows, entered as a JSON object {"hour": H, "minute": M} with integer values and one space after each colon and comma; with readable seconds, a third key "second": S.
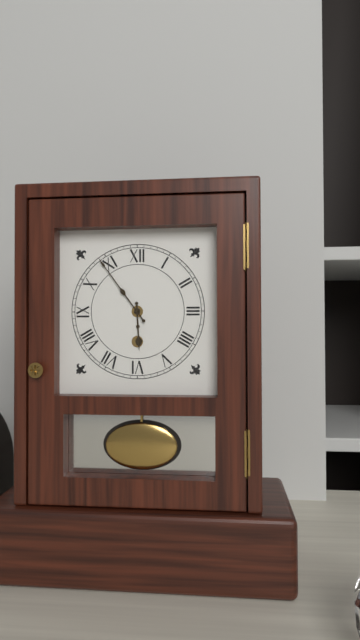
{"hour": 5, "minute": 54}
